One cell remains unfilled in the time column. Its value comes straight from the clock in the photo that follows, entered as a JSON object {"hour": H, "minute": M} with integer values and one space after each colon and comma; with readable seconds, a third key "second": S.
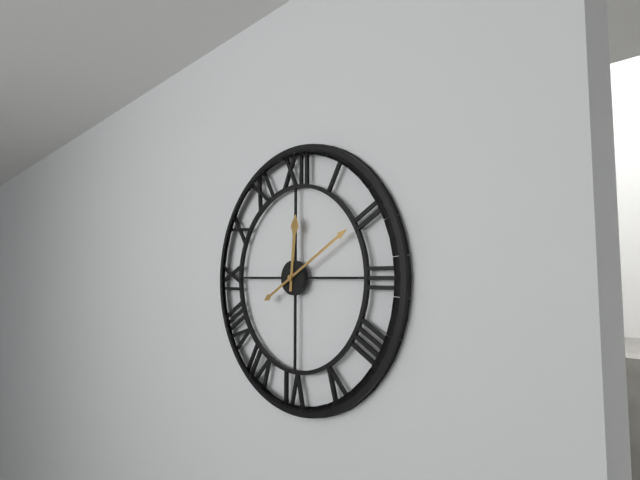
{"hour": 12, "minute": 10}
